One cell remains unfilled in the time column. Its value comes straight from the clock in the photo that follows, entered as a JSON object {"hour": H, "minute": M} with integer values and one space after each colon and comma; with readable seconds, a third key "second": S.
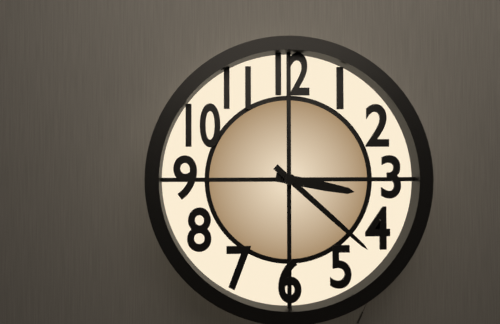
{"hour": 3, "minute": 22}
